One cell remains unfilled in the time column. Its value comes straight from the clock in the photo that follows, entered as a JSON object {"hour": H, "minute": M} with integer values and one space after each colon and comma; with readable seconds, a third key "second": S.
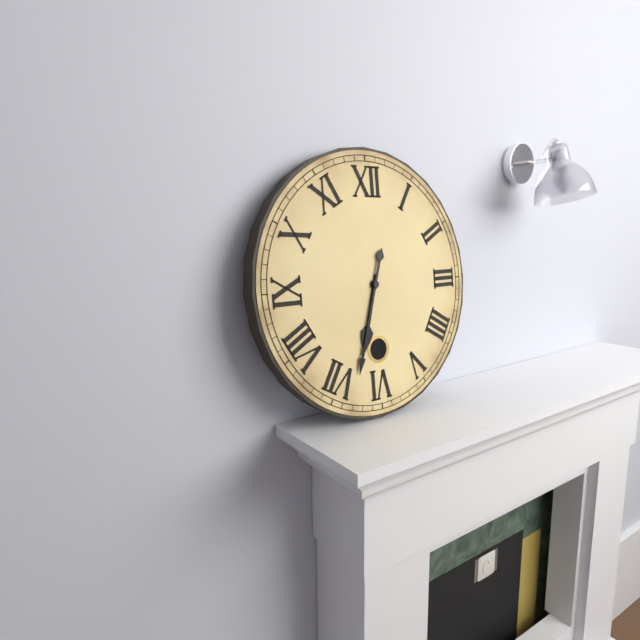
{"hour": 6, "minute": 33}
